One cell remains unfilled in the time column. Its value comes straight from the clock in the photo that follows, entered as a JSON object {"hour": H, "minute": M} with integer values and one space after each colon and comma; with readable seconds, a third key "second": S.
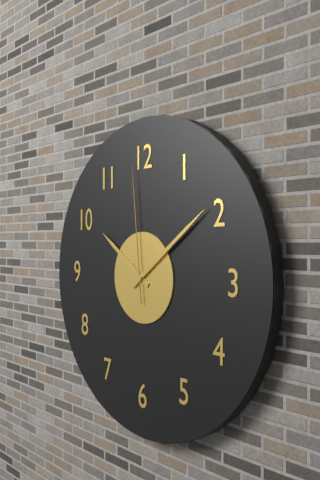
{"hour": 10, "minute": 9, "second": 59}
